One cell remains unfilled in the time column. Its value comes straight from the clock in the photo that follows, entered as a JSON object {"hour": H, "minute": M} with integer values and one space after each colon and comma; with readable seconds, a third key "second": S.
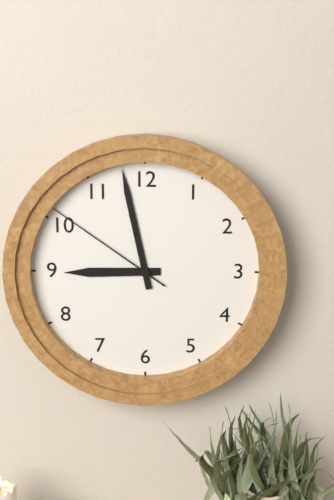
{"hour": 8, "minute": 58, "second": 51}
